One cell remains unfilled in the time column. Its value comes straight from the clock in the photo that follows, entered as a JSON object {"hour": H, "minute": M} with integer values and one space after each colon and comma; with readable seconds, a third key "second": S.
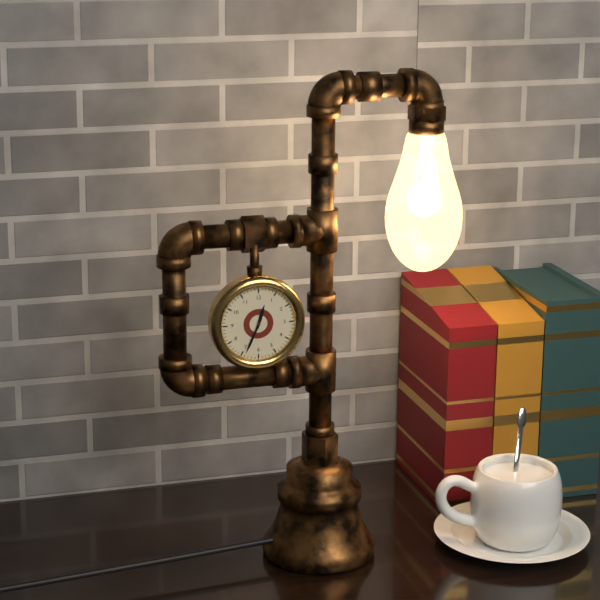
{"hour": 12, "minute": 34}
